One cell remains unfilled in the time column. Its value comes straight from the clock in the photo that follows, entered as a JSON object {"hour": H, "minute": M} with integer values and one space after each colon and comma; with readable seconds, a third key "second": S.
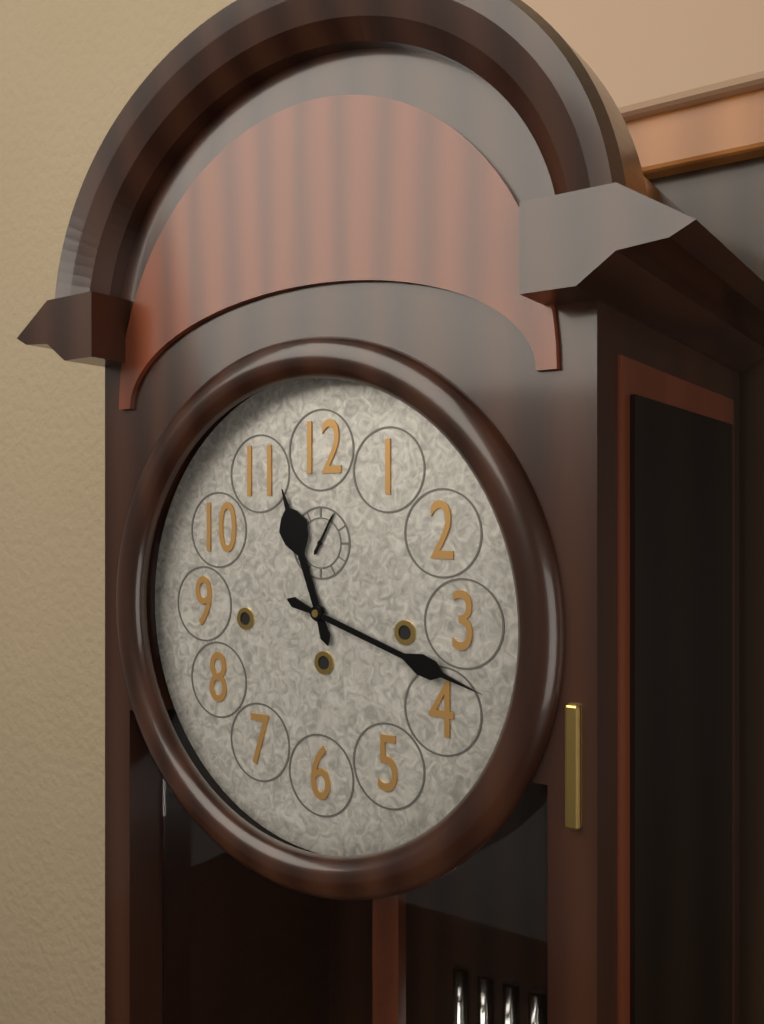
{"hour": 11, "minute": 18, "second": 5}
